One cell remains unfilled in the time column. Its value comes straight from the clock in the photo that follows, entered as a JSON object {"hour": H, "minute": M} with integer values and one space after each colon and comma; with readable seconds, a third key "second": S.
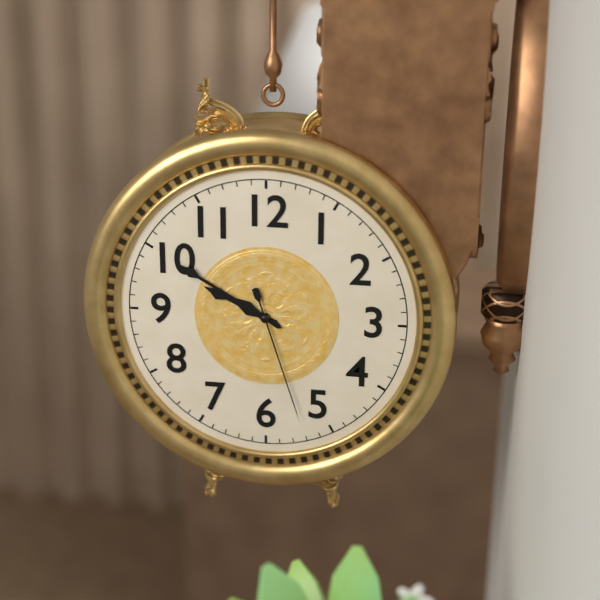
{"hour": 9, "minute": 50, "second": 27}
